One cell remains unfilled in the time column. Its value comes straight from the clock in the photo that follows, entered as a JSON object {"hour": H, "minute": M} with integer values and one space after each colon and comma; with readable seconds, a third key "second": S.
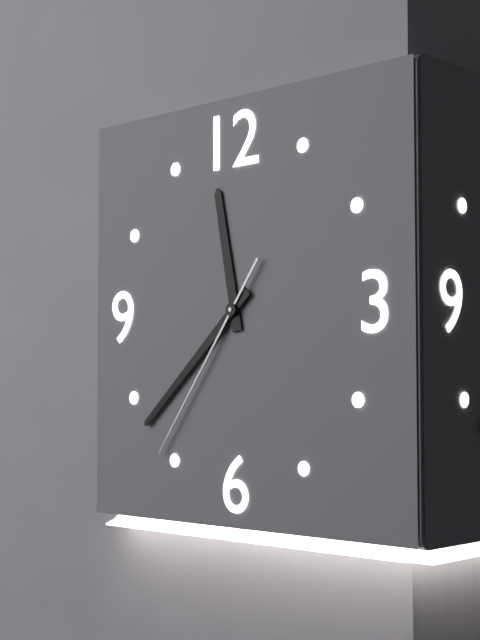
{"hour": 11, "minute": 38, "second": 36}
